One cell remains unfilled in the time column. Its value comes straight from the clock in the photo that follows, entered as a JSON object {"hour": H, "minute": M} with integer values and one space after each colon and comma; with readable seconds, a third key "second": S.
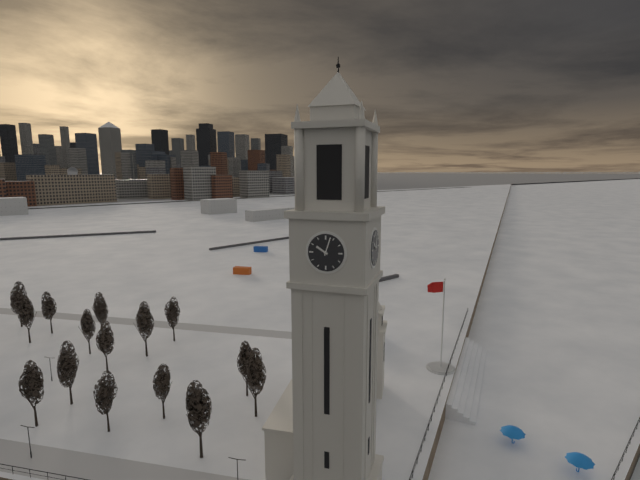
{"hour": 10, "minute": 3}
